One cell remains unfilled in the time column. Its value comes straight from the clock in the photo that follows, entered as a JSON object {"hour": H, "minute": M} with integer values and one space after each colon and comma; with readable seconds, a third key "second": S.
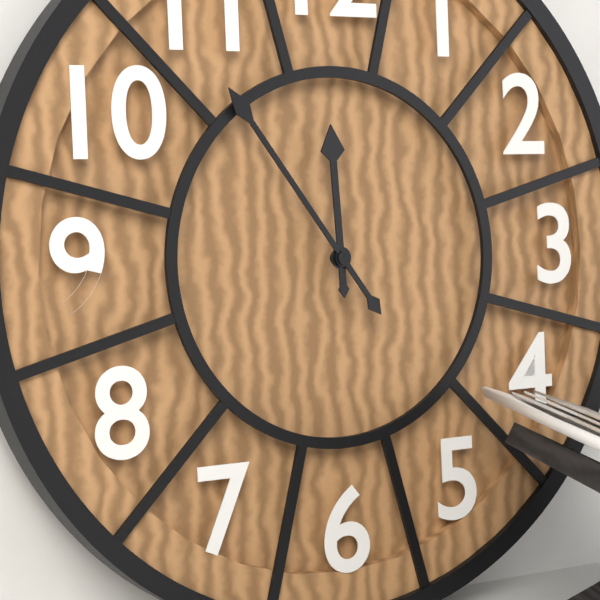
{"hour": 11, "minute": 54}
